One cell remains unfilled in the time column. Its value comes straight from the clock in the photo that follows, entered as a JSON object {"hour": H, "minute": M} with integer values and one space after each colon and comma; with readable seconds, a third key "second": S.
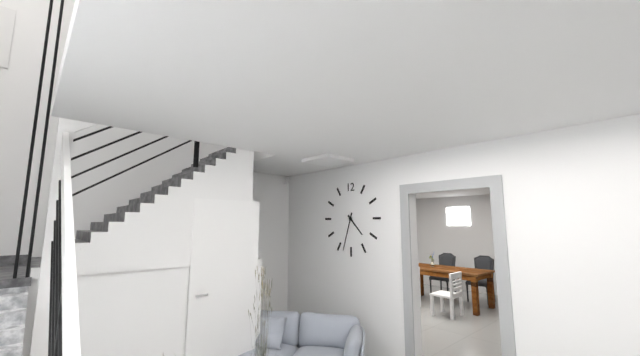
{"hour": 4, "minute": 33}
